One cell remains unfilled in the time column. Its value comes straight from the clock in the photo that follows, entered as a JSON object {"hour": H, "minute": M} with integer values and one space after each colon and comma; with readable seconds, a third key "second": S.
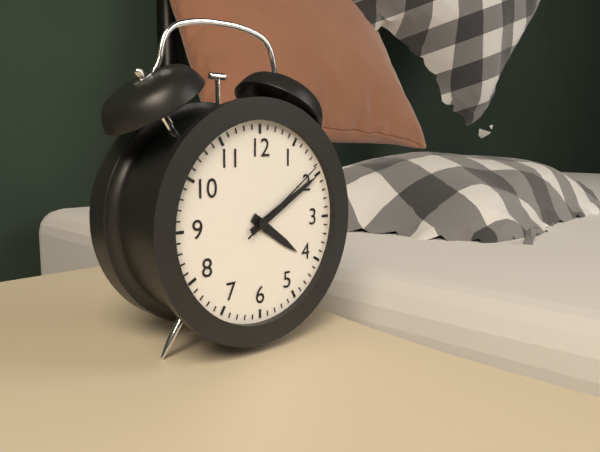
{"hour": 4, "minute": 10, "second": 9}
